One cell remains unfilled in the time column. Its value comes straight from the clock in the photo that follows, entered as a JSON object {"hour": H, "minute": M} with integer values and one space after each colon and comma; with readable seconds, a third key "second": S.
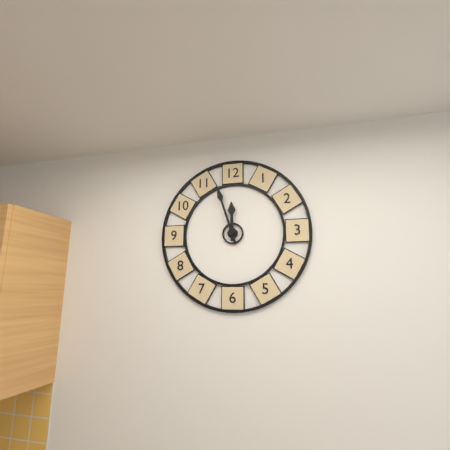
{"hour": 11, "minute": 57}
